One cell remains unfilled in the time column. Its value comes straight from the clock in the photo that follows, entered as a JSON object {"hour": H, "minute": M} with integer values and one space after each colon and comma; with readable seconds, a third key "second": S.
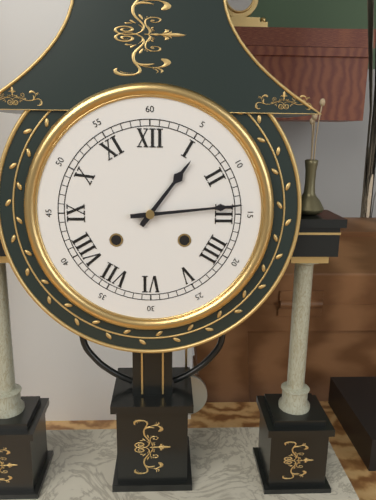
{"hour": 1, "minute": 14}
